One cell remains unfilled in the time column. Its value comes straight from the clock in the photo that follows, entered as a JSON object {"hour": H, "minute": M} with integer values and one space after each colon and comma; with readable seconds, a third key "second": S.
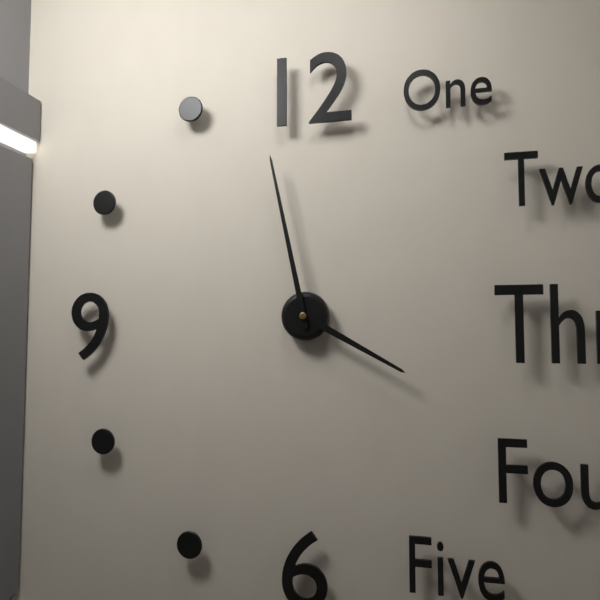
{"hour": 3, "minute": 58}
